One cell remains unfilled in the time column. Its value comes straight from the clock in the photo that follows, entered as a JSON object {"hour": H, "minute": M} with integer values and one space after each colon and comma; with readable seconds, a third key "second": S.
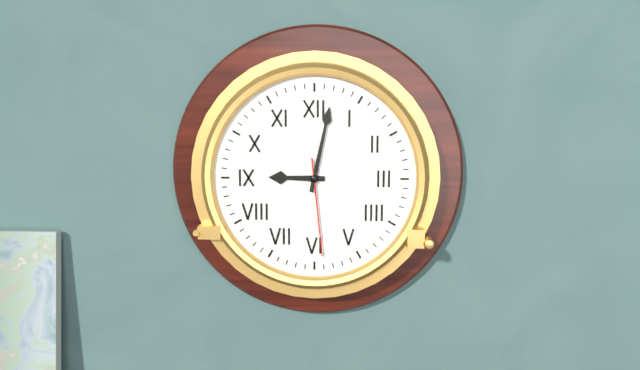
{"hour": 9, "minute": 2, "second": 29}
